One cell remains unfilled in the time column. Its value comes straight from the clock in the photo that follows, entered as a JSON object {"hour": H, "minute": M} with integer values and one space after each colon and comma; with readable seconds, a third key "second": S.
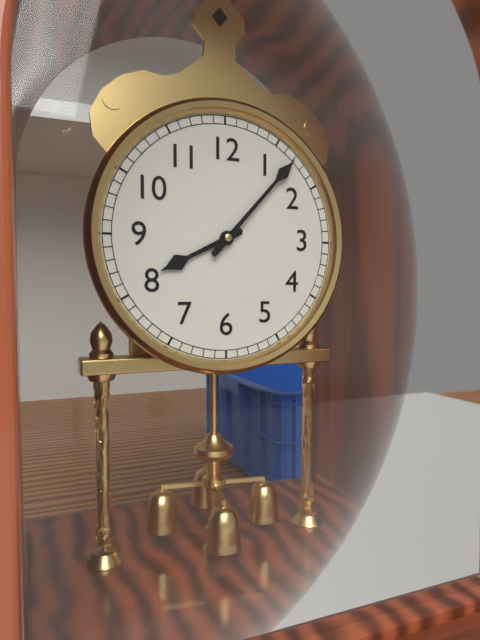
{"hour": 8, "minute": 7}
